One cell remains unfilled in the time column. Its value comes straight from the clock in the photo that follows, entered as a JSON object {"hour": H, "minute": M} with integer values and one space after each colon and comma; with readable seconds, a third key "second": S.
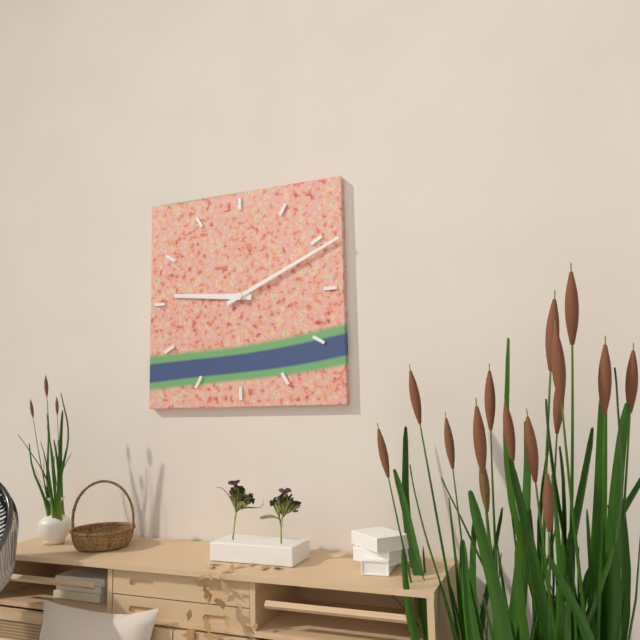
{"hour": 9, "minute": 11}
